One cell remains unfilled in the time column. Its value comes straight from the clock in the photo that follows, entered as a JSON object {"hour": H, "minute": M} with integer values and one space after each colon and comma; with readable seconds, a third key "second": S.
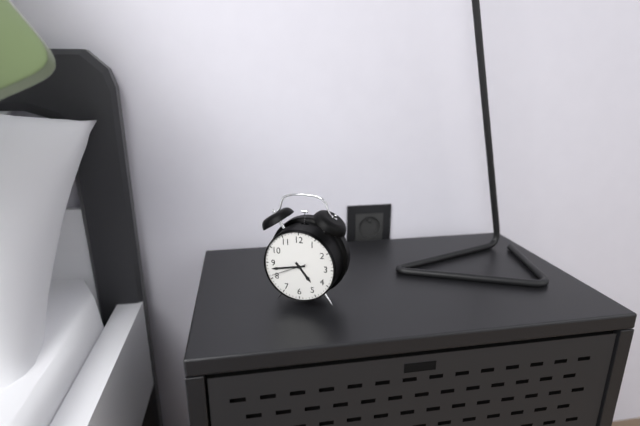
{"hour": 4, "minute": 43}
